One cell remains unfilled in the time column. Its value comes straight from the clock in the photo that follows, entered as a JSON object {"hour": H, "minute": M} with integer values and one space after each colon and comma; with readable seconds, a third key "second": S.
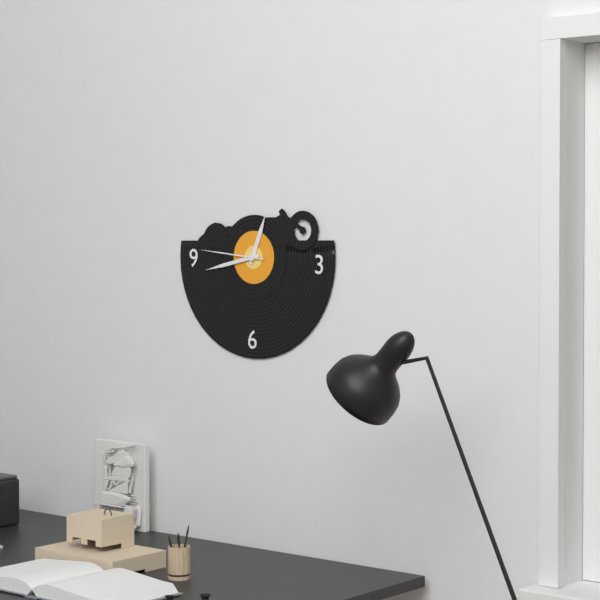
{"hour": 12, "minute": 43, "second": 46}
